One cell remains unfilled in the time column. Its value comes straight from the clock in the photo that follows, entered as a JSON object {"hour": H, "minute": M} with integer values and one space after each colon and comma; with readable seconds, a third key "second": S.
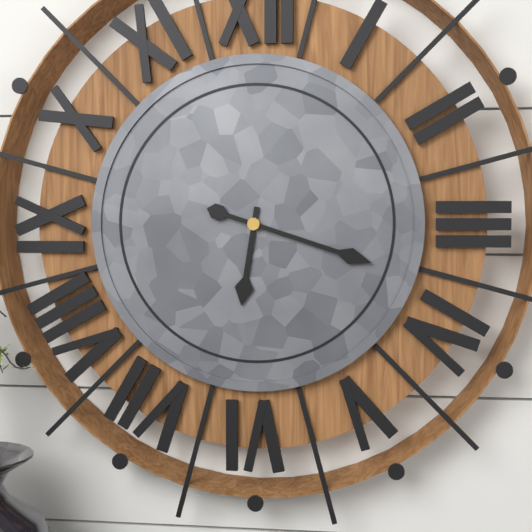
{"hour": 6, "minute": 18}
